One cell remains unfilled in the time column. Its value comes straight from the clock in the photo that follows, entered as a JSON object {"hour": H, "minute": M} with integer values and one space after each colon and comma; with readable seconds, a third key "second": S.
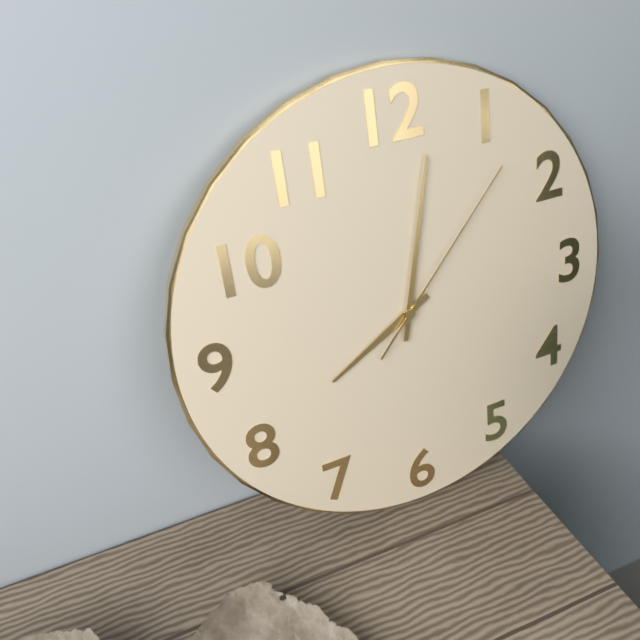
{"hour": 8, "minute": 2, "second": 7}
